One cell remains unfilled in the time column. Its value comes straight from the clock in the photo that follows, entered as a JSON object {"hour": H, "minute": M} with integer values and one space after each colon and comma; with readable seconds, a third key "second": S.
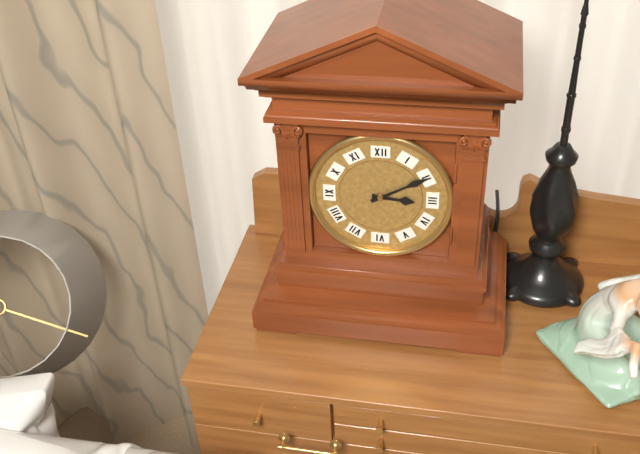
{"hour": 3, "minute": 10}
